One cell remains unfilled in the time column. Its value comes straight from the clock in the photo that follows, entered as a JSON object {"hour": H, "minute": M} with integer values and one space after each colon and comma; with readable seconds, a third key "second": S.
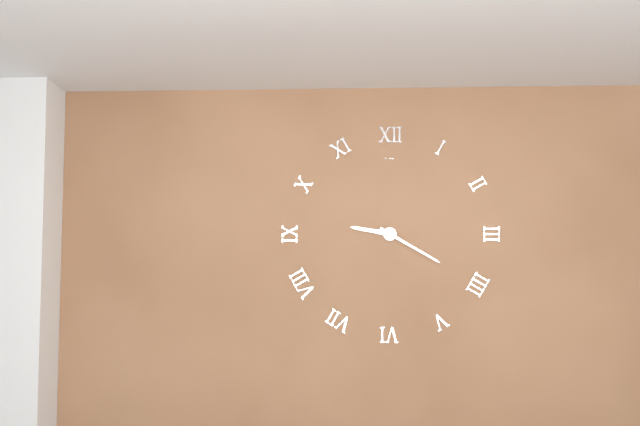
{"hour": 9, "minute": 20}
